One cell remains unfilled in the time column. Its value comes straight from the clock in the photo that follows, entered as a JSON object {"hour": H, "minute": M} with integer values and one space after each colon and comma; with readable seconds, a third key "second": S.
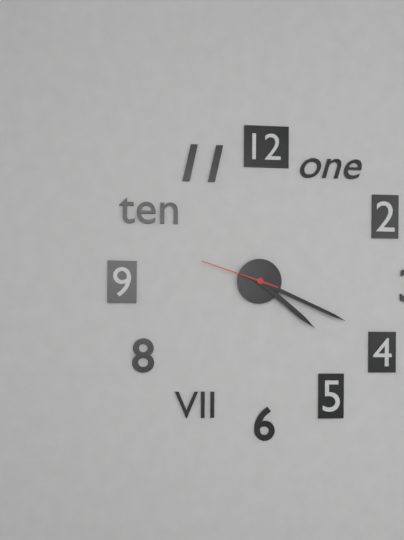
{"hour": 4, "minute": 19, "second": 48}
